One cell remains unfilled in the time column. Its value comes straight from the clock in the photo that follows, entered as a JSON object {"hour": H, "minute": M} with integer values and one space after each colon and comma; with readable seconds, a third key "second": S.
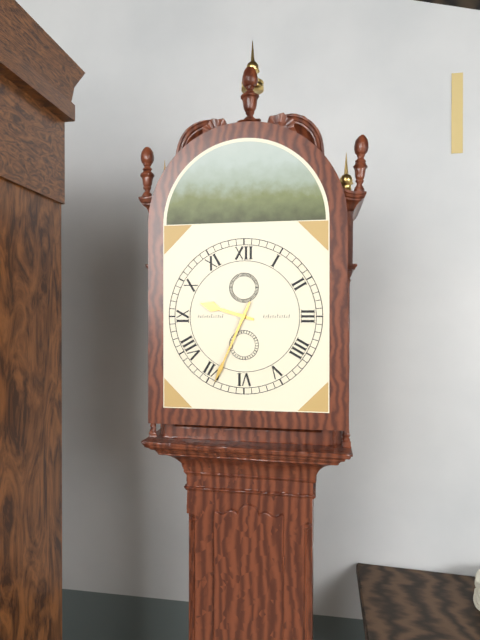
{"hour": 9, "minute": 34}
